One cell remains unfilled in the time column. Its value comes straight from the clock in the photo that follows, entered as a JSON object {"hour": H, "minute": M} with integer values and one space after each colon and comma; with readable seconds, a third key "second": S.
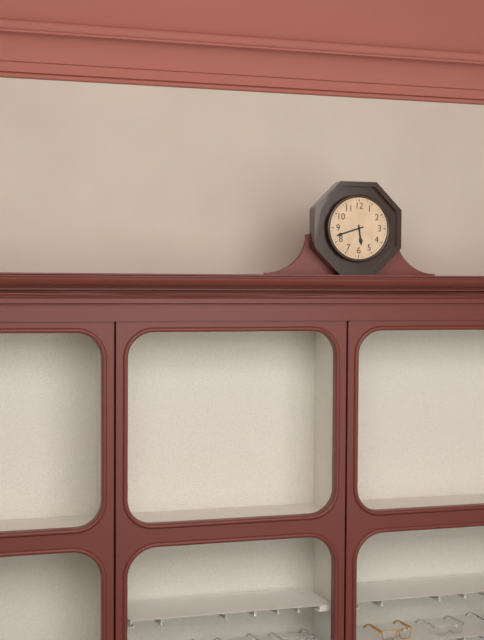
{"hour": 5, "minute": 42}
